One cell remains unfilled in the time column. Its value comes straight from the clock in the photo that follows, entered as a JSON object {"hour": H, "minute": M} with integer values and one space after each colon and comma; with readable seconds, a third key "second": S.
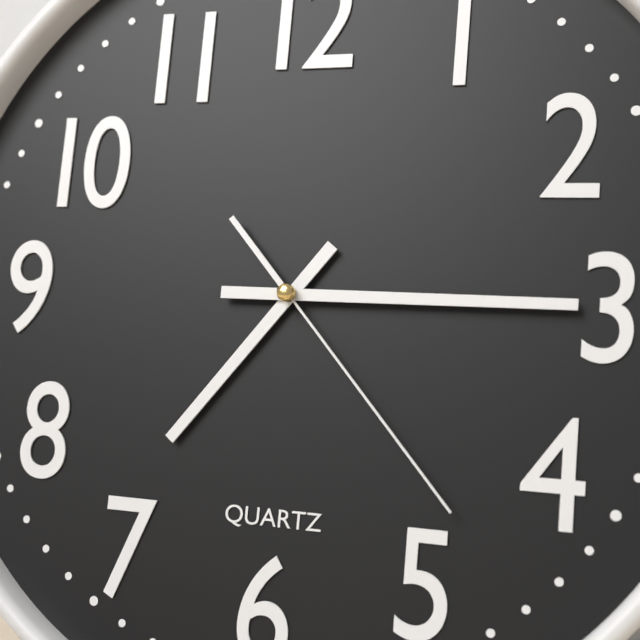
{"hour": 7, "minute": 15, "second": 23}
